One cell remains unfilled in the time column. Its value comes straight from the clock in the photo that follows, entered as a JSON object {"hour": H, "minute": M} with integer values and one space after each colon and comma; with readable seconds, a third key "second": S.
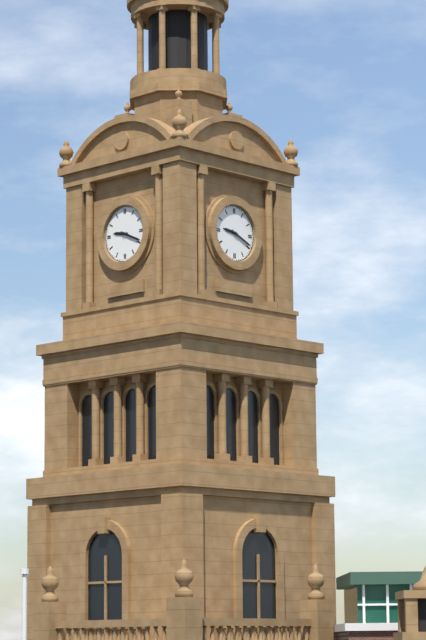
{"hour": 9, "minute": 19}
